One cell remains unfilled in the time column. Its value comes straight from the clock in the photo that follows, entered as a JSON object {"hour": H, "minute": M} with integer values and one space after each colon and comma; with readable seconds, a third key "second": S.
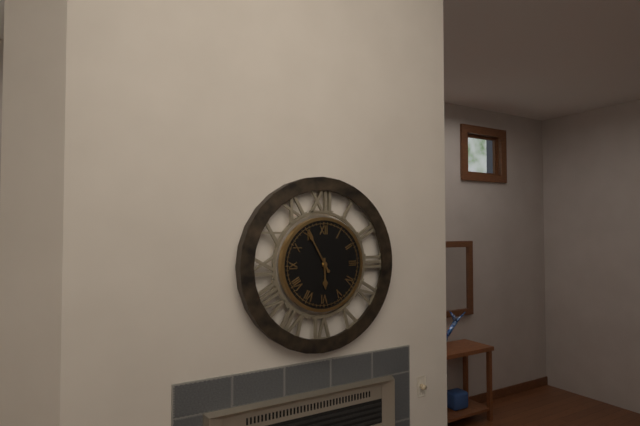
{"hour": 5, "minute": 55}
